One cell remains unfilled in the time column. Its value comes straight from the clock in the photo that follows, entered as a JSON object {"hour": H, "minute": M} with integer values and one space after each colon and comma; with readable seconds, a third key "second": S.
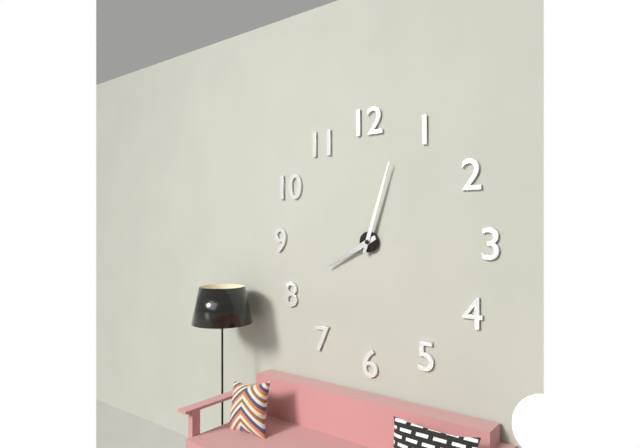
{"hour": 8, "minute": 3}
